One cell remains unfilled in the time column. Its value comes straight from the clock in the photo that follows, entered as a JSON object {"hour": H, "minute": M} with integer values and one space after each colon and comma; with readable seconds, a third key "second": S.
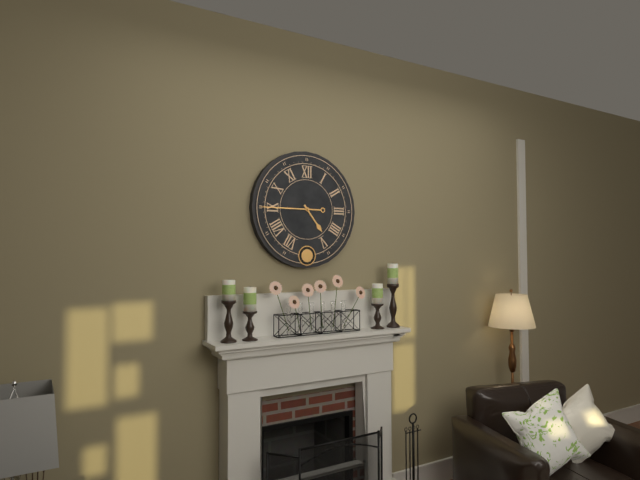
{"hour": 4, "minute": 45}
